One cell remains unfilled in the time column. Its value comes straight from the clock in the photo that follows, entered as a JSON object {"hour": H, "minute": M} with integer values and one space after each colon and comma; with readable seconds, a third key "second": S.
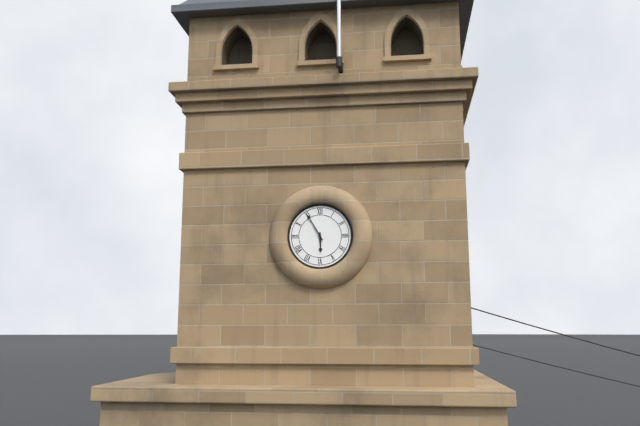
{"hour": 5, "minute": 55}
